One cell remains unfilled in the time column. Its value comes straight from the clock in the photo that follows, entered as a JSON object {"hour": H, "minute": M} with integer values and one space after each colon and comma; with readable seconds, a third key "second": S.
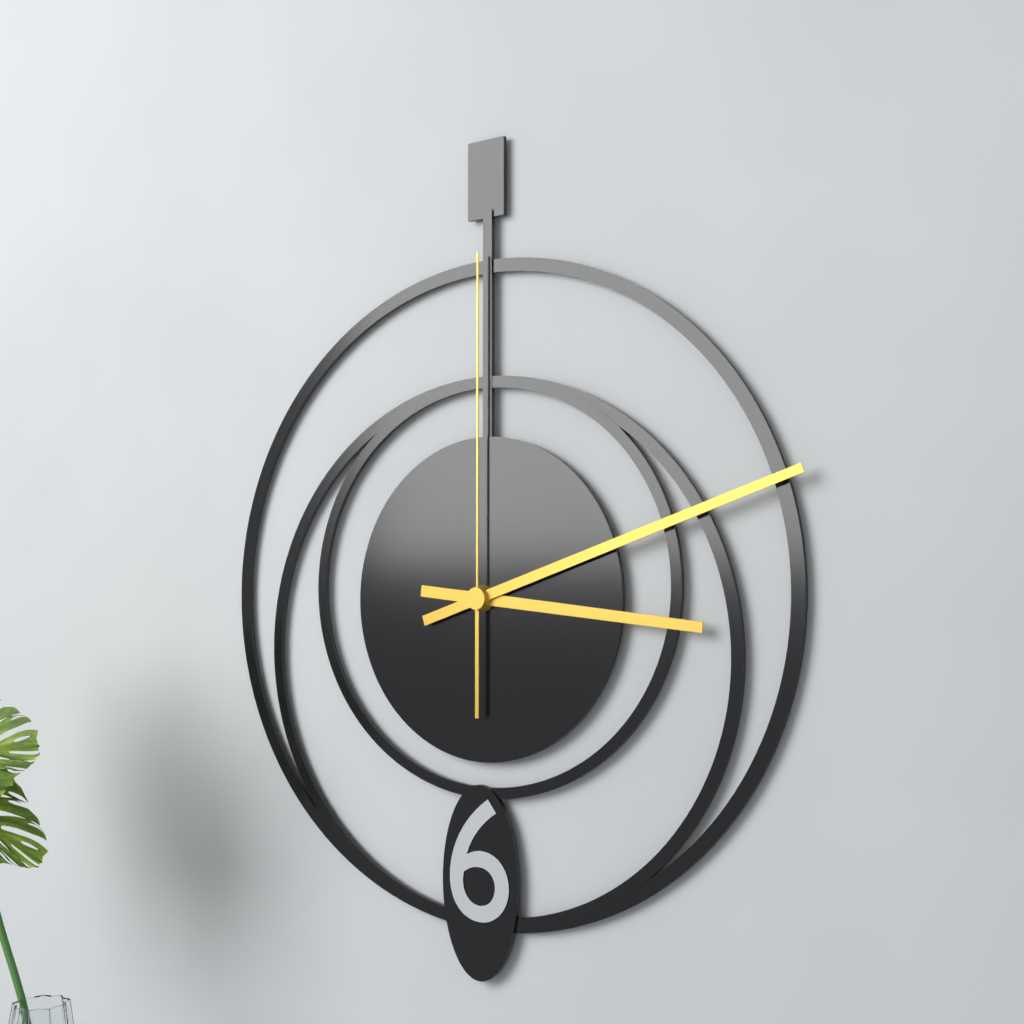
{"hour": 3, "minute": 12, "second": 0}
